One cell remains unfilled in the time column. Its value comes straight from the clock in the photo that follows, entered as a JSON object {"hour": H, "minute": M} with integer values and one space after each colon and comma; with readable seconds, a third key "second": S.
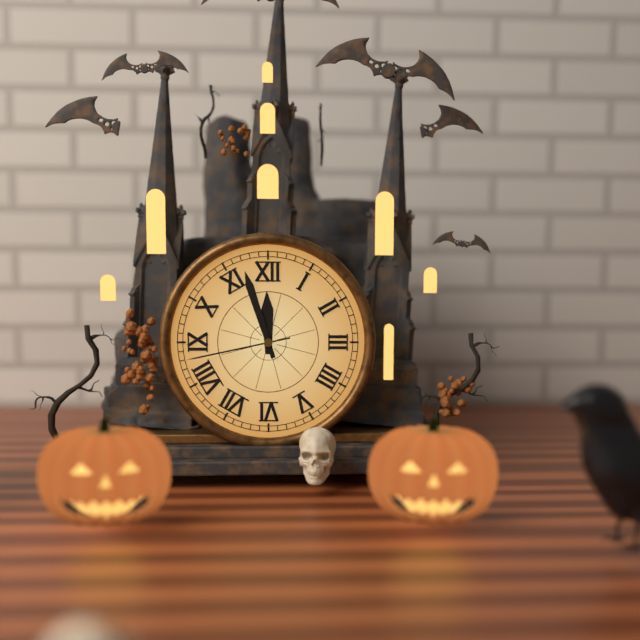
{"hour": 11, "minute": 57, "second": 43}
